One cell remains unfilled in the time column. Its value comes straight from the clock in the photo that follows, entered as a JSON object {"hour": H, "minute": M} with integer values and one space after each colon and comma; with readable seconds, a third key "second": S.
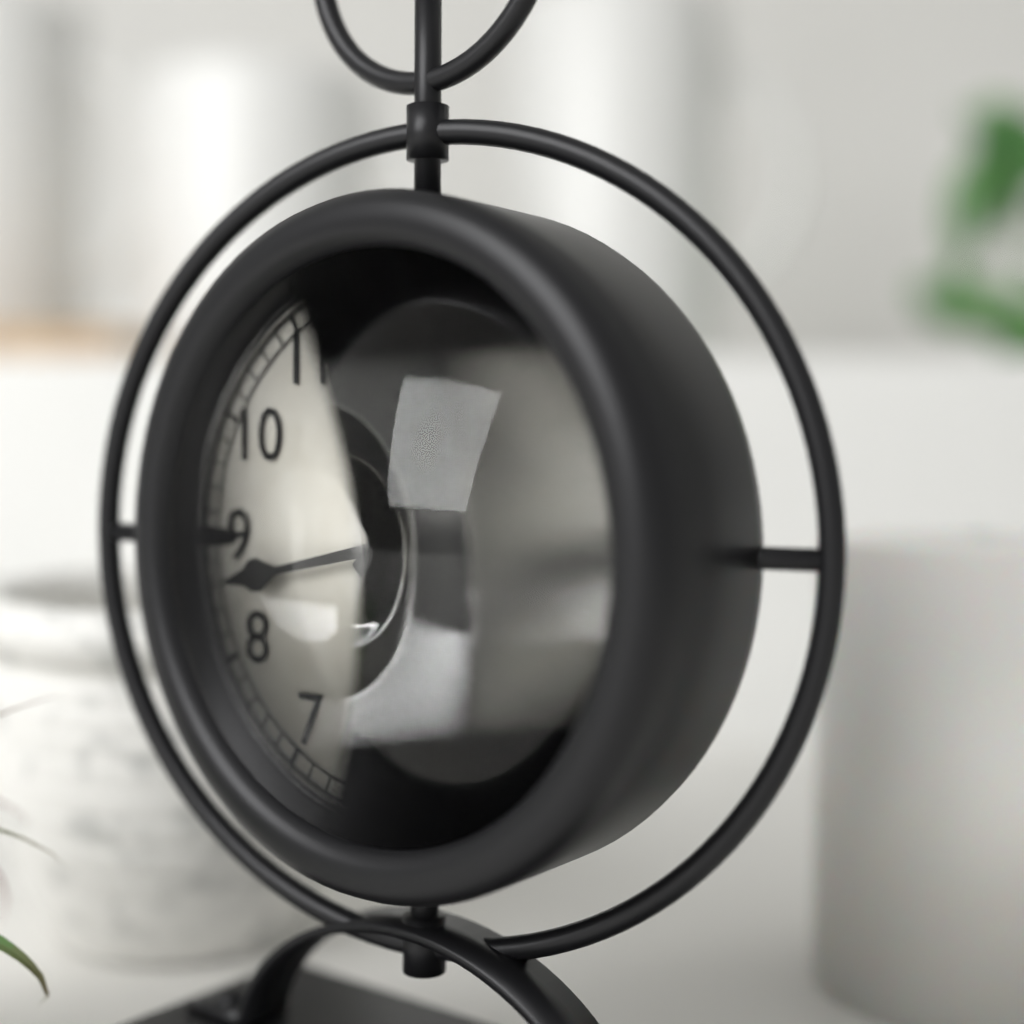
{"hour": 1, "minute": 43}
